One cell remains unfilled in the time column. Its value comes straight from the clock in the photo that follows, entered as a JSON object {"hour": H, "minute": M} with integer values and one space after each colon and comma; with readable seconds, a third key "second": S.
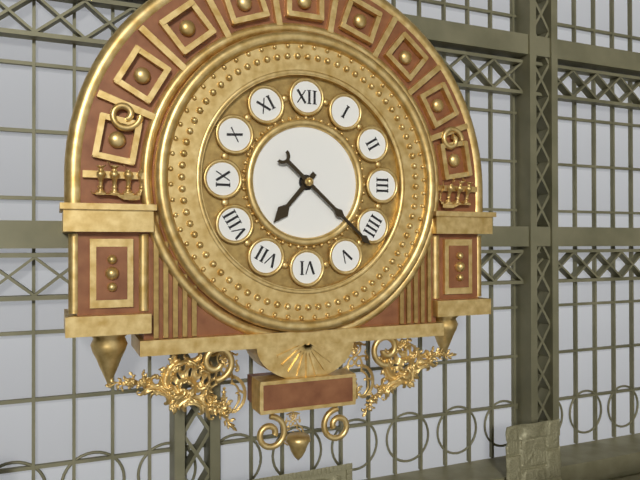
{"hour": 7, "minute": 22}
